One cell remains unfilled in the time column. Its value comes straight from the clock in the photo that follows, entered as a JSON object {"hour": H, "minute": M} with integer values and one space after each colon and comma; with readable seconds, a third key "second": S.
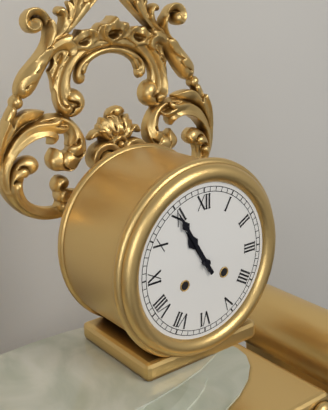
{"hour": 10, "minute": 55}
